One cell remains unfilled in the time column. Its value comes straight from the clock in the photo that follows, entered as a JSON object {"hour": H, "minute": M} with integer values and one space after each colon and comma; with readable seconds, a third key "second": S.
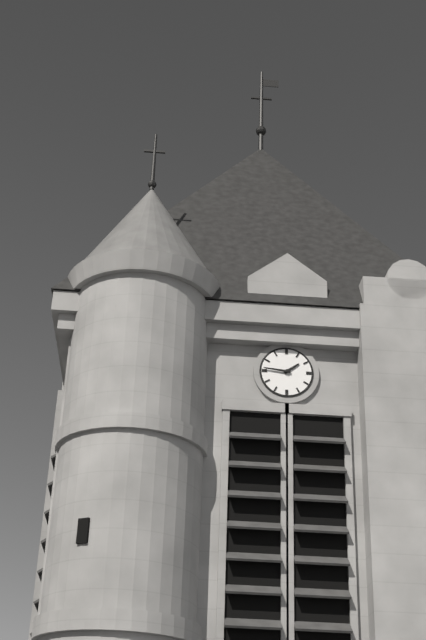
{"hour": 1, "minute": 46}
